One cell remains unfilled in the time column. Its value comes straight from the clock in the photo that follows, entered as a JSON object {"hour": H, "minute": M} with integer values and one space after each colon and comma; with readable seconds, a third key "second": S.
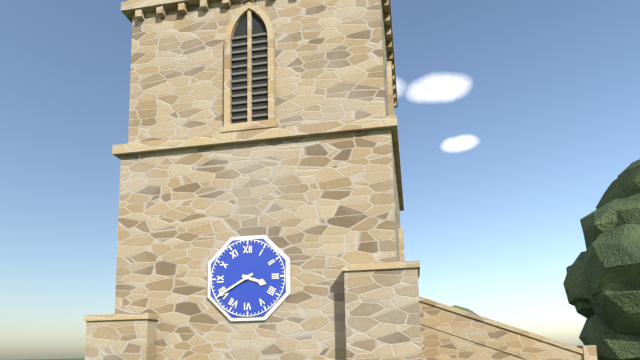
{"hour": 3, "minute": 40}
